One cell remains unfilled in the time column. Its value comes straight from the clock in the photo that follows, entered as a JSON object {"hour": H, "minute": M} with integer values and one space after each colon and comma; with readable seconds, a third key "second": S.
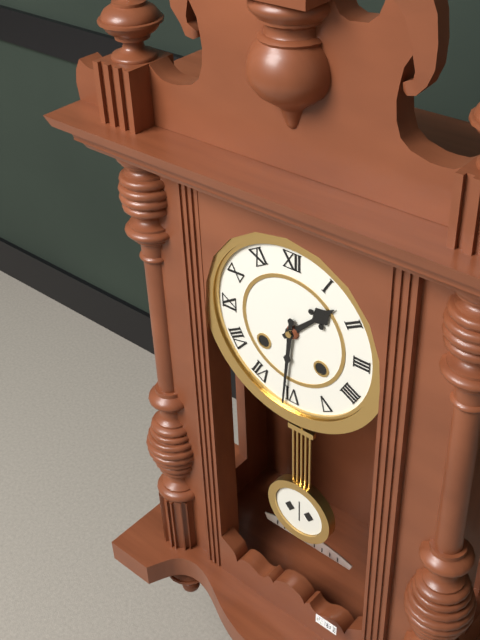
{"hour": 1, "minute": 31}
